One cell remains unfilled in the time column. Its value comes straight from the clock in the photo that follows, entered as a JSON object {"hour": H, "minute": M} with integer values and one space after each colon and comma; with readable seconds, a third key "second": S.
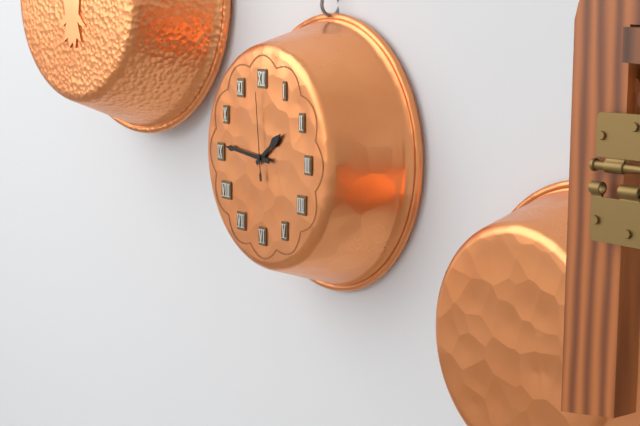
{"hour": 1, "minute": 46, "second": 59}
